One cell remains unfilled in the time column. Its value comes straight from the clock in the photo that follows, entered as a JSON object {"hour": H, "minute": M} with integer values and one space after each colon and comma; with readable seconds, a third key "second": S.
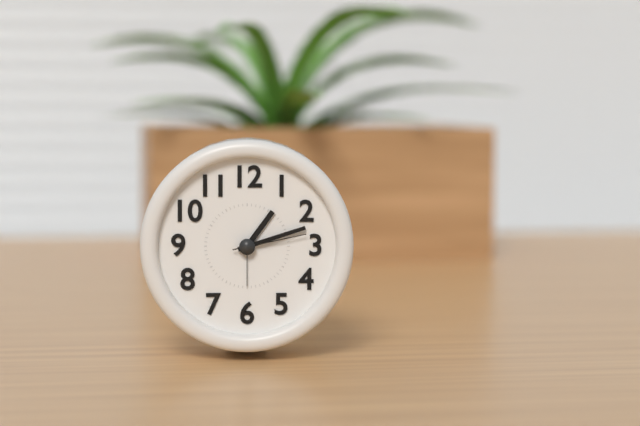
{"hour": 1, "minute": 12, "second": 13}
